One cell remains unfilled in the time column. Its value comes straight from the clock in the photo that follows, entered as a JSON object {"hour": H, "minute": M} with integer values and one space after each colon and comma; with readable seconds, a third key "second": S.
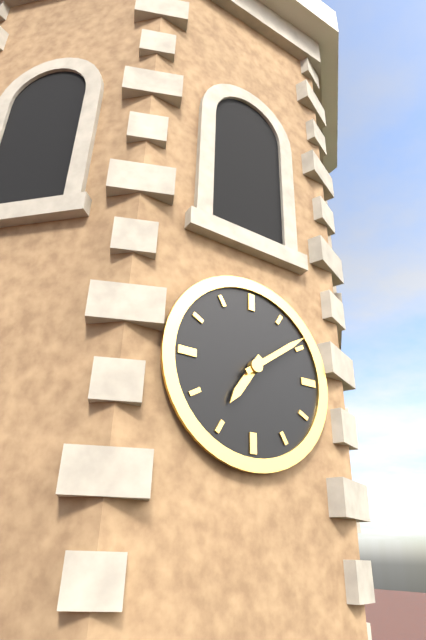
{"hour": 7, "minute": 9}
